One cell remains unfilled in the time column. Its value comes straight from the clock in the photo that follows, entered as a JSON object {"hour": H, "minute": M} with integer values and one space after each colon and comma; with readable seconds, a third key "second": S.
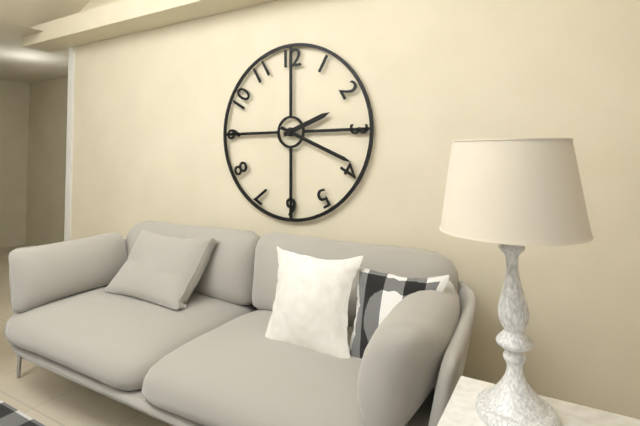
{"hour": 2, "minute": 19}
